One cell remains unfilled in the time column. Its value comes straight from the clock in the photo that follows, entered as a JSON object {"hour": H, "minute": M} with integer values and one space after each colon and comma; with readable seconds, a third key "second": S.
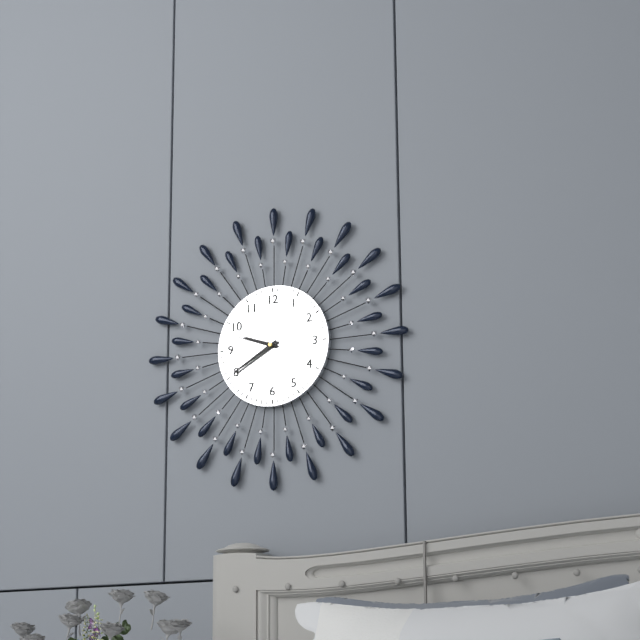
{"hour": 9, "minute": 40}
